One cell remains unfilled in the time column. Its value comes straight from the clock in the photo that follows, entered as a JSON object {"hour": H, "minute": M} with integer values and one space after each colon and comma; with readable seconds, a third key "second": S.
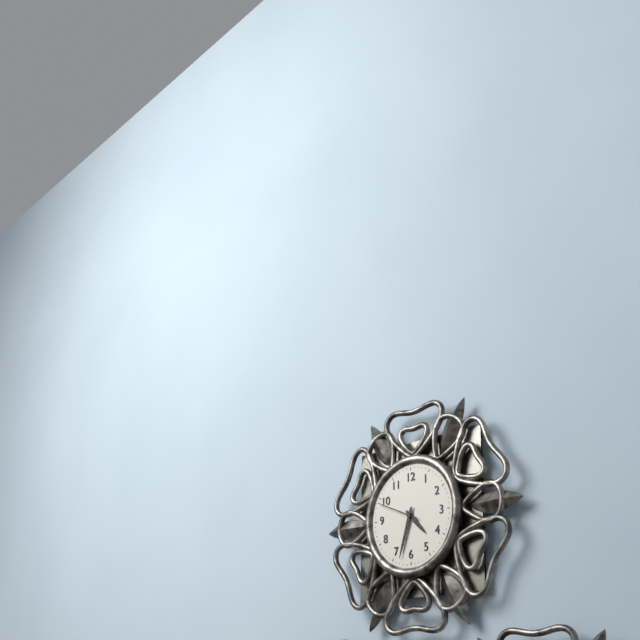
{"hour": 4, "minute": 33}
